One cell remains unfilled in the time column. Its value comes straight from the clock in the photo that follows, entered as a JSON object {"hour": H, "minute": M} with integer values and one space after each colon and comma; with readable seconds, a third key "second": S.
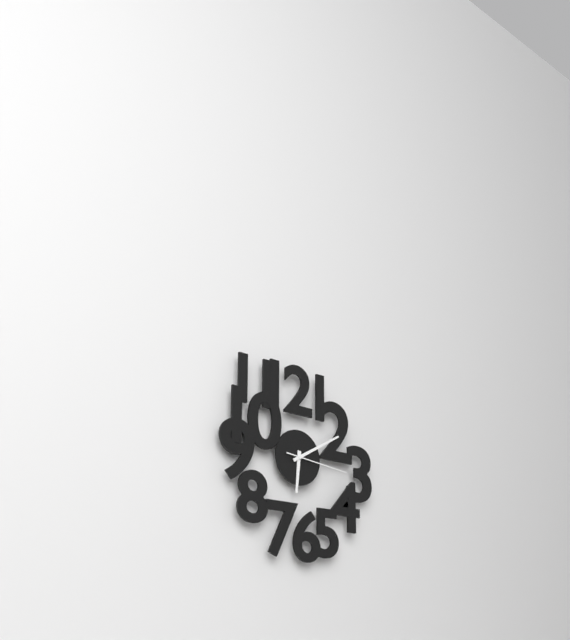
{"hour": 6, "minute": 10, "second": 16}
